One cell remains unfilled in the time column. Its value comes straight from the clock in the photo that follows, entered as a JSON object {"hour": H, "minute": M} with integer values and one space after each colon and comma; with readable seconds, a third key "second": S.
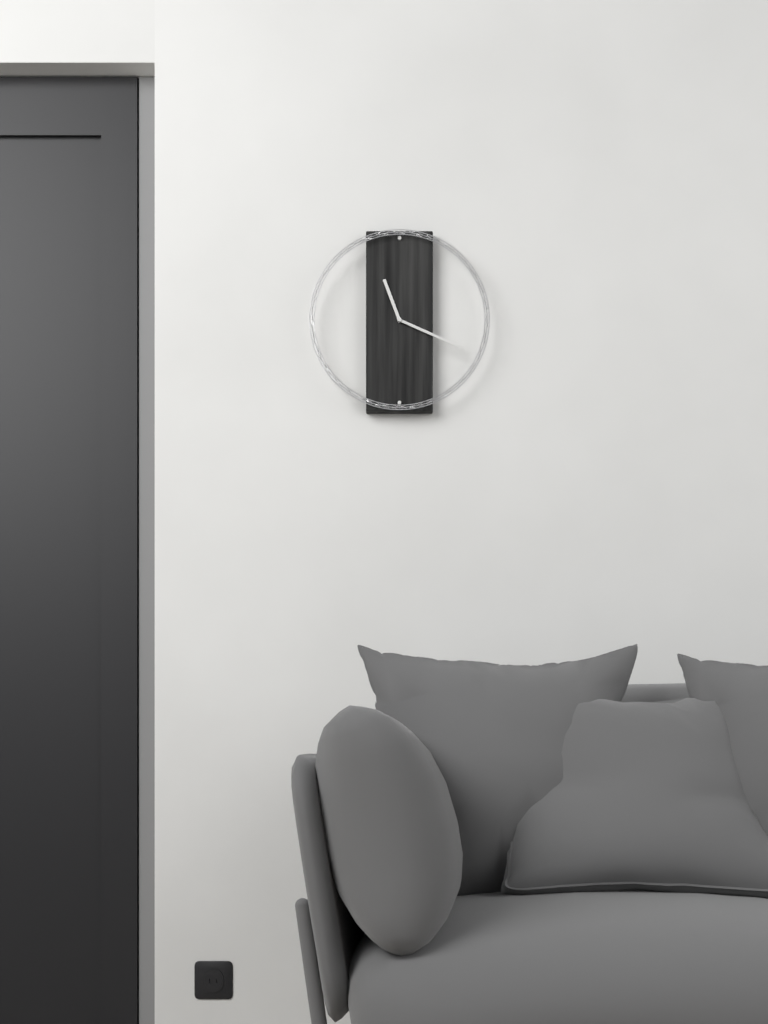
{"hour": 11, "minute": 19}
